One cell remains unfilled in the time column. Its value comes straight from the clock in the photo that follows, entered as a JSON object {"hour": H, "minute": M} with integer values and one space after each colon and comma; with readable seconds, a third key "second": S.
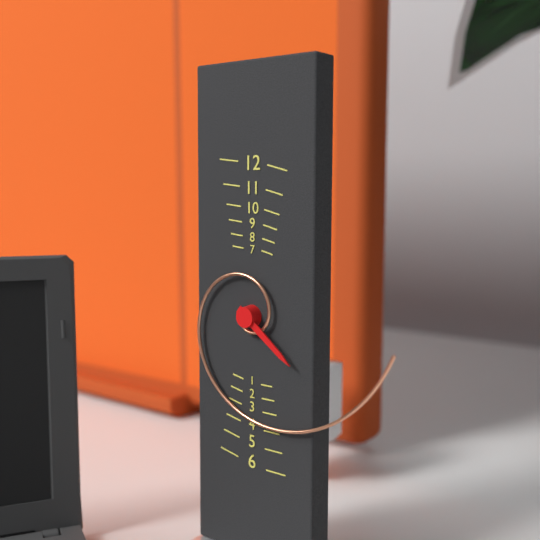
{"hour": 4, "minute": 16}
